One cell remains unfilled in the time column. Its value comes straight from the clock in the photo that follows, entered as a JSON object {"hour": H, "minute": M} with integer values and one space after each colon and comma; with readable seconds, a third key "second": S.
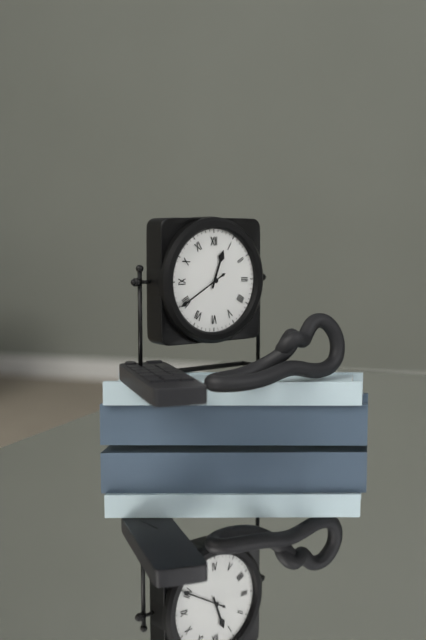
{"hour": 12, "minute": 40}
